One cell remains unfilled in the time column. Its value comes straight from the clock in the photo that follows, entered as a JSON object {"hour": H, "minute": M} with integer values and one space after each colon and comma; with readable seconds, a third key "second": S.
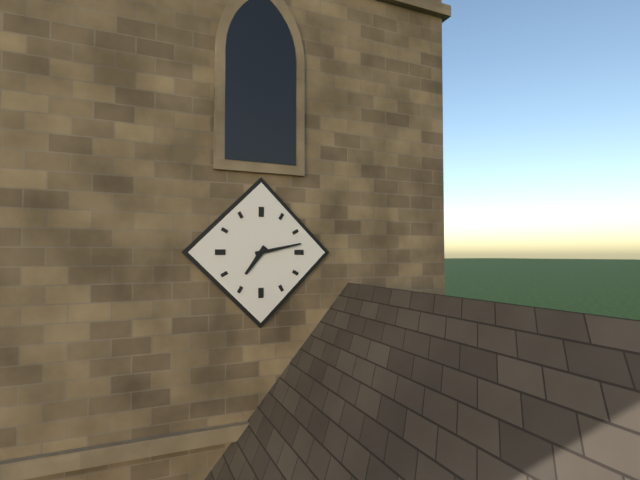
{"hour": 7, "minute": 13}
